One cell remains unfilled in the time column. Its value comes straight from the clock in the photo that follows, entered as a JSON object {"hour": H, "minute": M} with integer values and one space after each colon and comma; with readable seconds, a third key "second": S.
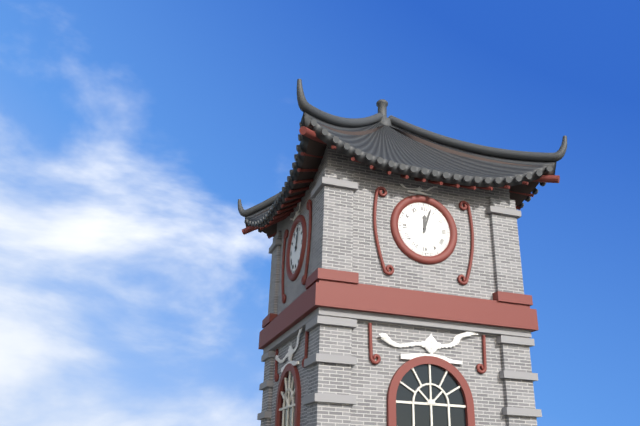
{"hour": 12, "minute": 3}
